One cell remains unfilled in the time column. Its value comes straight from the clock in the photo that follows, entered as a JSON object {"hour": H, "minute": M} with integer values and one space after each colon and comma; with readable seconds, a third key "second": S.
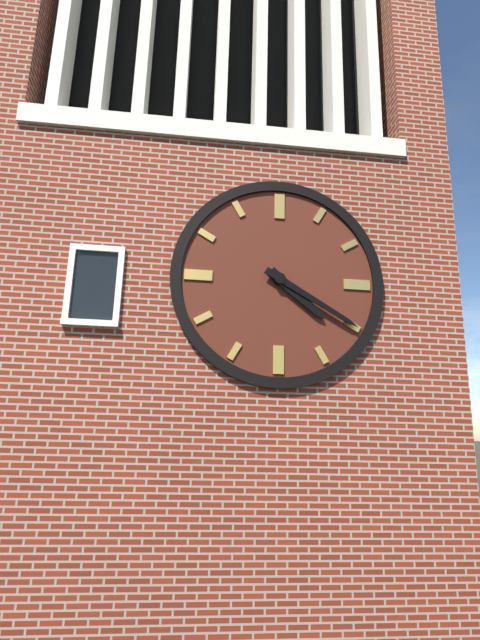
{"hour": 4, "minute": 20}
